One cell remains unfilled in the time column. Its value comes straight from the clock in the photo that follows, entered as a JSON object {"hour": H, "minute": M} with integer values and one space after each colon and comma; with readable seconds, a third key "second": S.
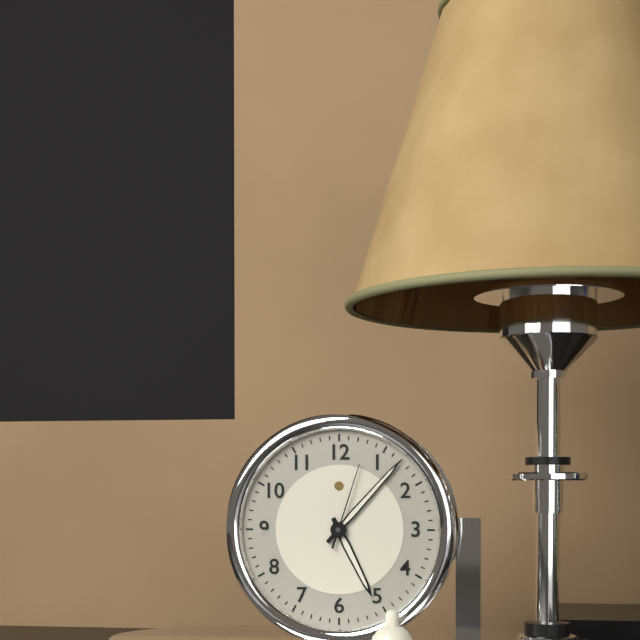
{"hour": 5, "minute": 7, "second": 3}
